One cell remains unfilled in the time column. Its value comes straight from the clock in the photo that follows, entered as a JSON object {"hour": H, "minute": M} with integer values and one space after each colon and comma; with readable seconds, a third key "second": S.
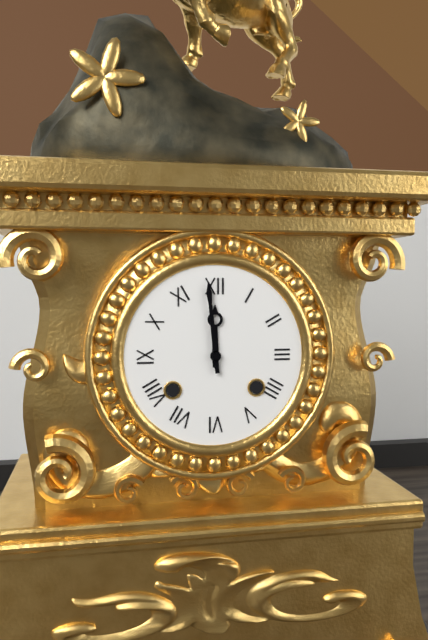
{"hour": 11, "minute": 59}
